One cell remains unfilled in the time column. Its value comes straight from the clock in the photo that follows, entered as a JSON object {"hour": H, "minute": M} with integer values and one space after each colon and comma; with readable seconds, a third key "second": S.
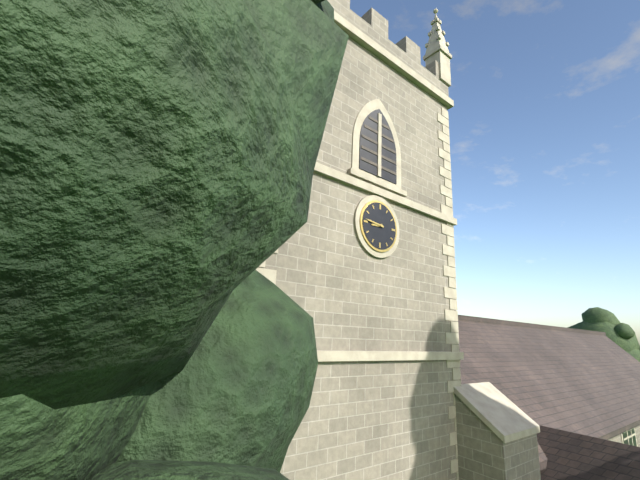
{"hour": 8, "minute": 46}
